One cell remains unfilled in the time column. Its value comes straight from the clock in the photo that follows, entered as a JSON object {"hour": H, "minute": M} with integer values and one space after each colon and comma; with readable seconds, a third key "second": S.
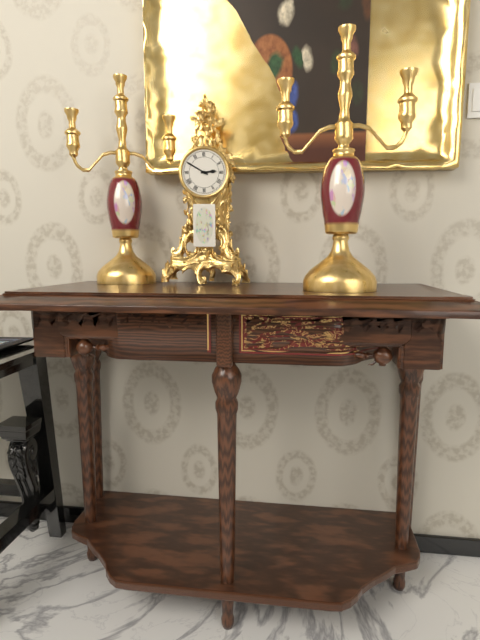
{"hour": 2, "minute": 50}
